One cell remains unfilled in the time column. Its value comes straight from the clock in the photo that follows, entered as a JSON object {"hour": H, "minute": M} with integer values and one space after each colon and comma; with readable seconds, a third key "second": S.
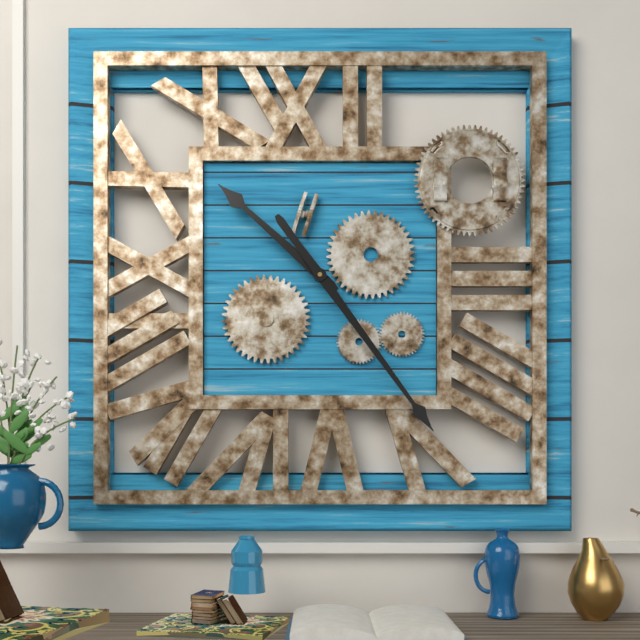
{"hour": 10, "minute": 24}
